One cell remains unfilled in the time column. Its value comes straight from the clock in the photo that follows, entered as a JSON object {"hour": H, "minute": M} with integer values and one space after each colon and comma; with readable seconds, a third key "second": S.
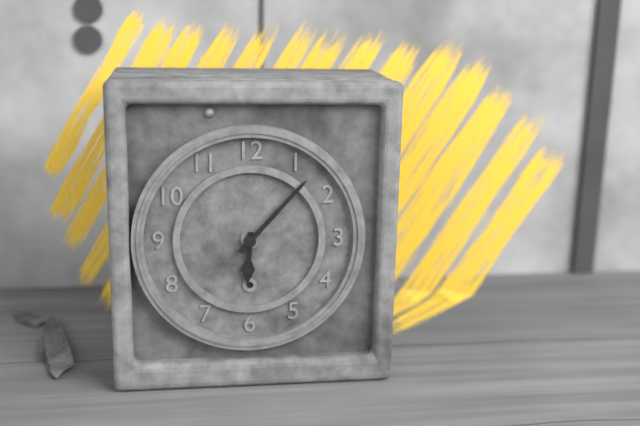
{"hour": 6, "minute": 7}
